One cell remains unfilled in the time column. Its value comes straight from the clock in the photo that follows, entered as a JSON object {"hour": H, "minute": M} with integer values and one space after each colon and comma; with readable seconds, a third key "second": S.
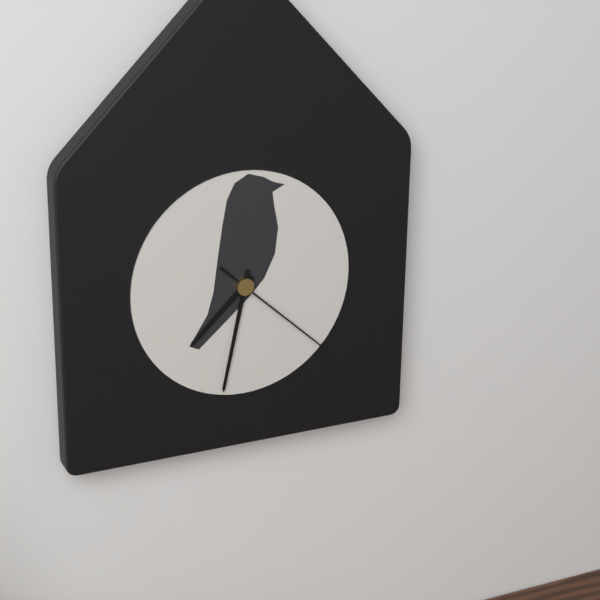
{"hour": 7, "minute": 32, "second": 22}
